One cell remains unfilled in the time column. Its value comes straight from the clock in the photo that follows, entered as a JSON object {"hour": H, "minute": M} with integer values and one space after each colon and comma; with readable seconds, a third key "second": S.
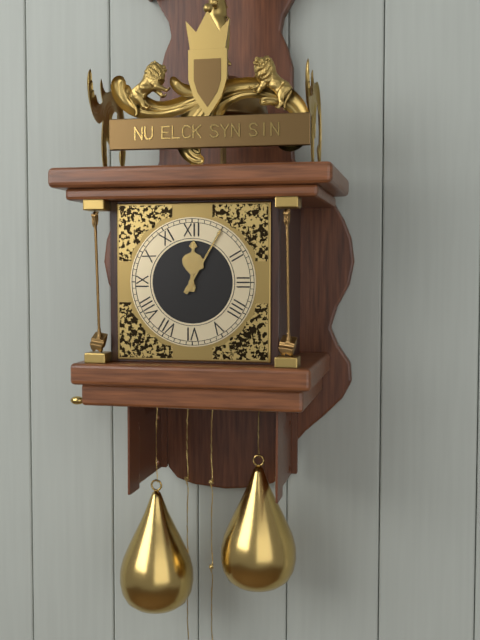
{"hour": 12, "minute": 5}
